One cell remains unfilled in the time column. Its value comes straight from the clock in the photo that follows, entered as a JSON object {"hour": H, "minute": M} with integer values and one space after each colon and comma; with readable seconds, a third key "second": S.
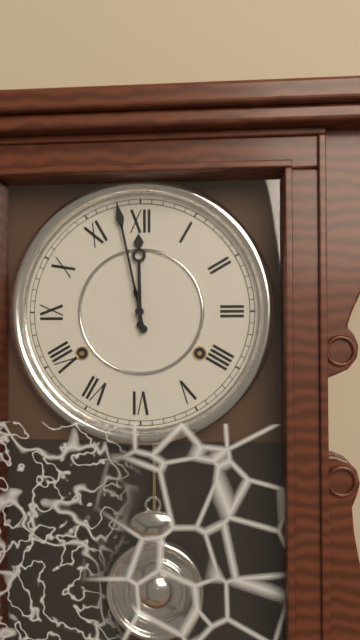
{"hour": 11, "minute": 58}
